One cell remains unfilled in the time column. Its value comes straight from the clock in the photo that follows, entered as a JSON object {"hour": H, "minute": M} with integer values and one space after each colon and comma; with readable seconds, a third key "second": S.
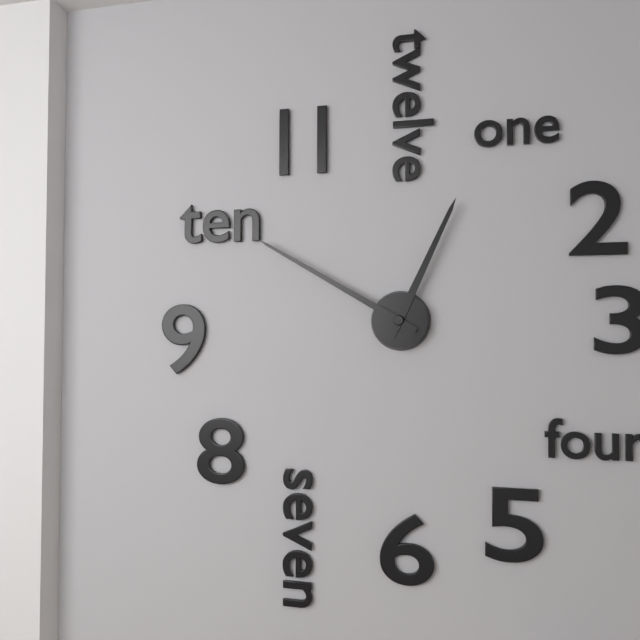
{"hour": 12, "minute": 50}
